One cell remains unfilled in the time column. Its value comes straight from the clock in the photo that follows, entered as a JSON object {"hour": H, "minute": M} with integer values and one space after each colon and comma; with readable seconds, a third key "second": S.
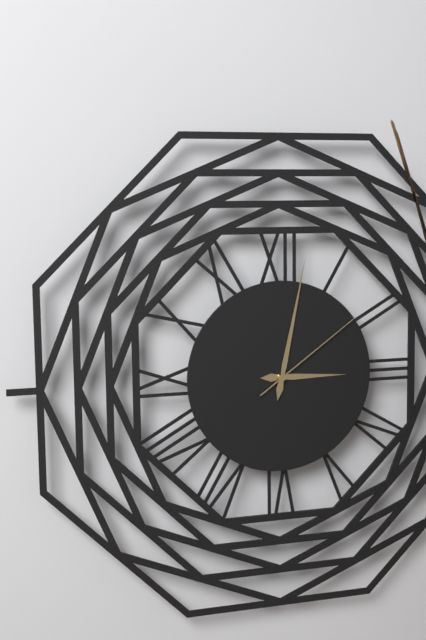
{"hour": 3, "minute": 2, "second": 9}
